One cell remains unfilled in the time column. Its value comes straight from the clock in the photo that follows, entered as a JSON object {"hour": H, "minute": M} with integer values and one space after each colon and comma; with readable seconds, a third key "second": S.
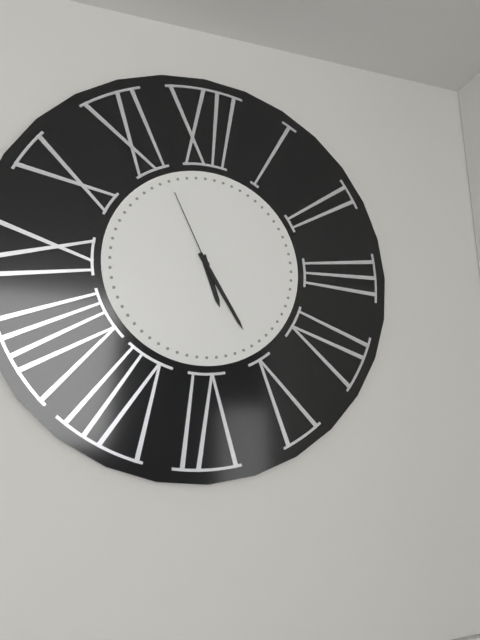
{"hour": 5, "minute": 25, "second": 56}
